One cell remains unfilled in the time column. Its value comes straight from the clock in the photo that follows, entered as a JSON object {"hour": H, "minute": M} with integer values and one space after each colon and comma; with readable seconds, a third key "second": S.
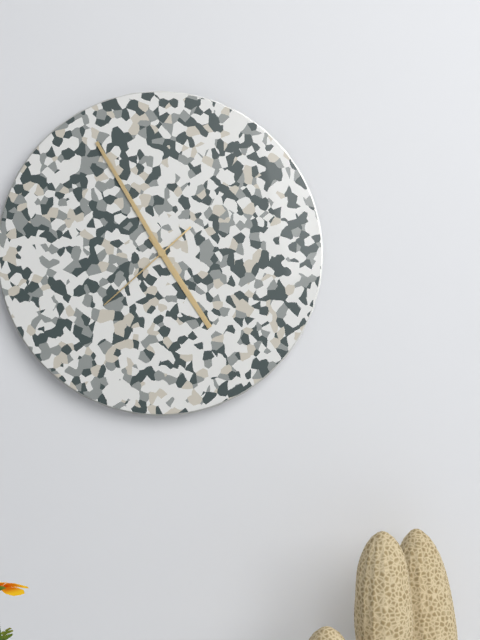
{"hour": 4, "minute": 55, "second": 38}
